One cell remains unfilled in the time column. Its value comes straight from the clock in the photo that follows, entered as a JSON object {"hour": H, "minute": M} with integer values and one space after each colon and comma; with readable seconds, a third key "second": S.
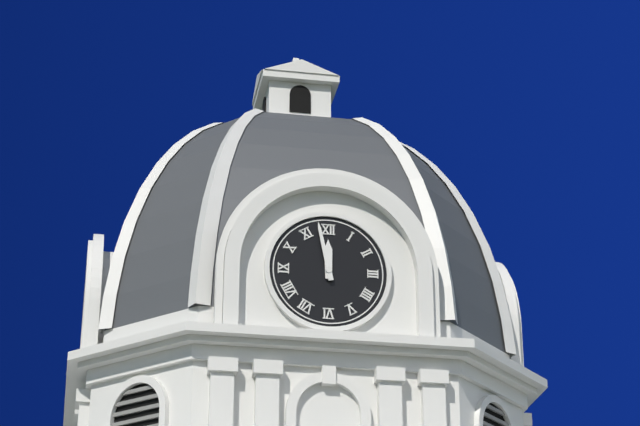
{"hour": 11, "minute": 58}
